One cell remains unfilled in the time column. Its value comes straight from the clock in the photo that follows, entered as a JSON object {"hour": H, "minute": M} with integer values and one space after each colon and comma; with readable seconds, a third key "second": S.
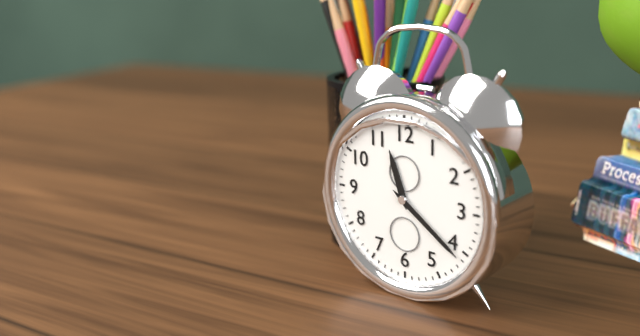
{"hour": 11, "minute": 21}
